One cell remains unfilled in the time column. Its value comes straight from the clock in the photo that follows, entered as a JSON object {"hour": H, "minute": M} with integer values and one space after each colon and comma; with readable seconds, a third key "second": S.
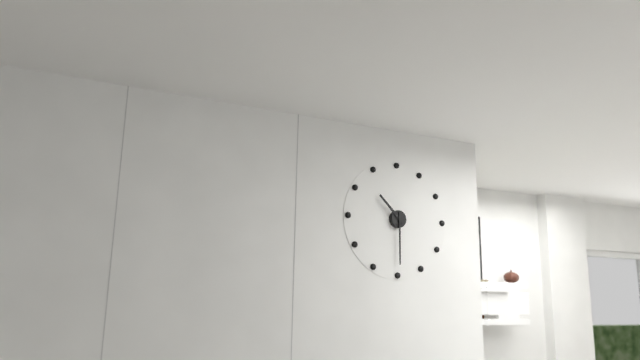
{"hour": 10, "minute": 30}
